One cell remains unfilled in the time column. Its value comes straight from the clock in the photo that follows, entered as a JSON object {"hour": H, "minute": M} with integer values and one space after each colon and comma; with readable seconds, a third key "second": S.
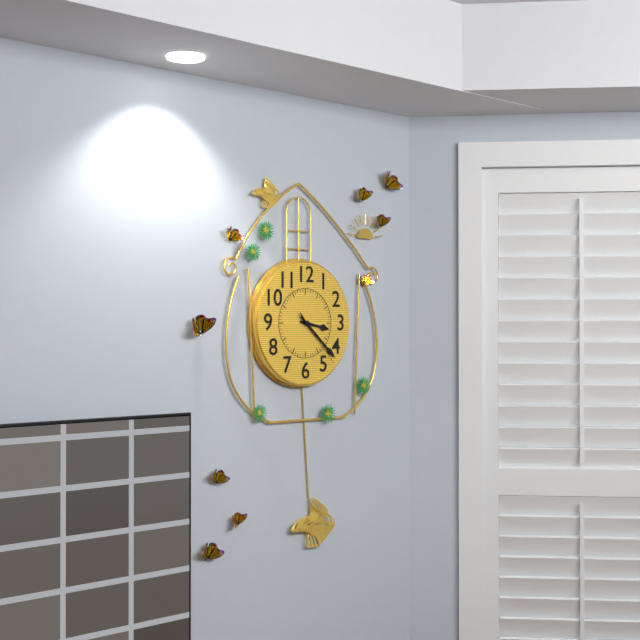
{"hour": 3, "minute": 22, "second": 23}
